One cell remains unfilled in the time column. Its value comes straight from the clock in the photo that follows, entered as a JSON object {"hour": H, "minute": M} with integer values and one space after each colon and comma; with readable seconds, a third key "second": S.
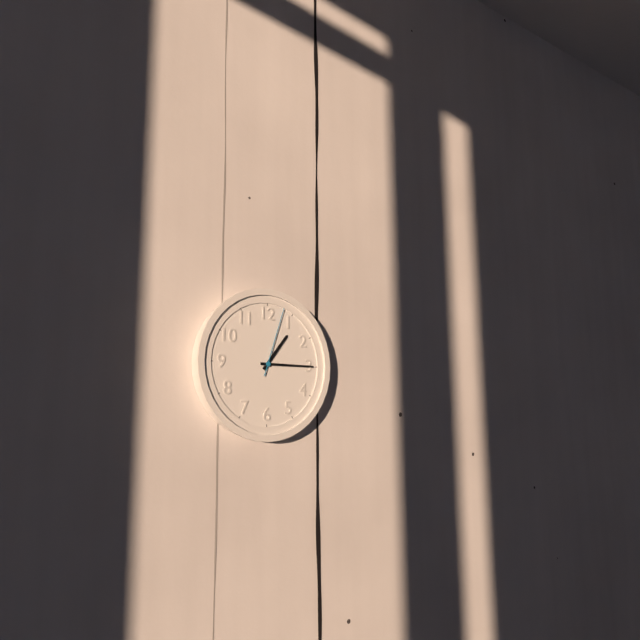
{"hour": 1, "minute": 15, "second": 3}
